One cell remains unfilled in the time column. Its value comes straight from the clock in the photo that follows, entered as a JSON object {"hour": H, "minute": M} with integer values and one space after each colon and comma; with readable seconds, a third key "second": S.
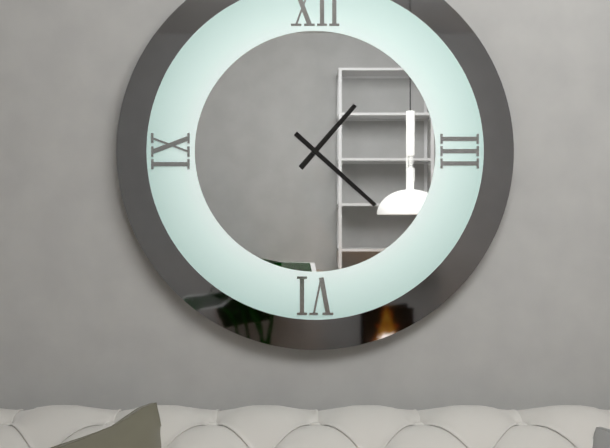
{"hour": 1, "minute": 22}
